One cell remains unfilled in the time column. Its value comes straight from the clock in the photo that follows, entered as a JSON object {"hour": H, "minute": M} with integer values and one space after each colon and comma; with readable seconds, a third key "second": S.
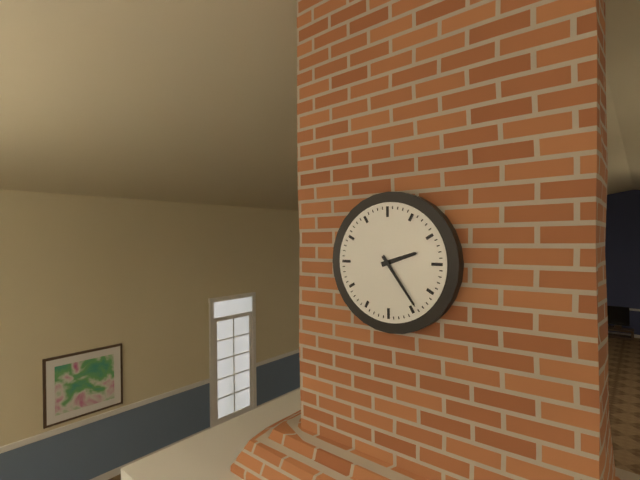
{"hour": 2, "minute": 24}
